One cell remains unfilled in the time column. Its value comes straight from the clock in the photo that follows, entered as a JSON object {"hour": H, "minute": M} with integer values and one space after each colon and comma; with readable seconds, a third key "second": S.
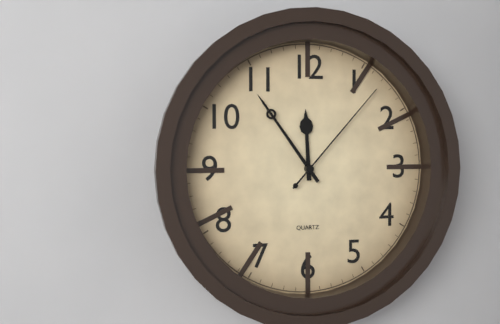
{"hour": 11, "minute": 54, "second": 7}
